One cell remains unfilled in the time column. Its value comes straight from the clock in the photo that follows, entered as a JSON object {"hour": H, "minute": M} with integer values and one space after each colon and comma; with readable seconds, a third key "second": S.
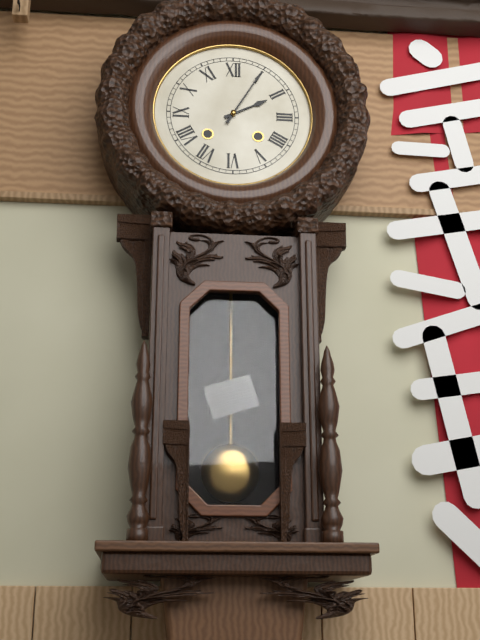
{"hour": 2, "minute": 5}
